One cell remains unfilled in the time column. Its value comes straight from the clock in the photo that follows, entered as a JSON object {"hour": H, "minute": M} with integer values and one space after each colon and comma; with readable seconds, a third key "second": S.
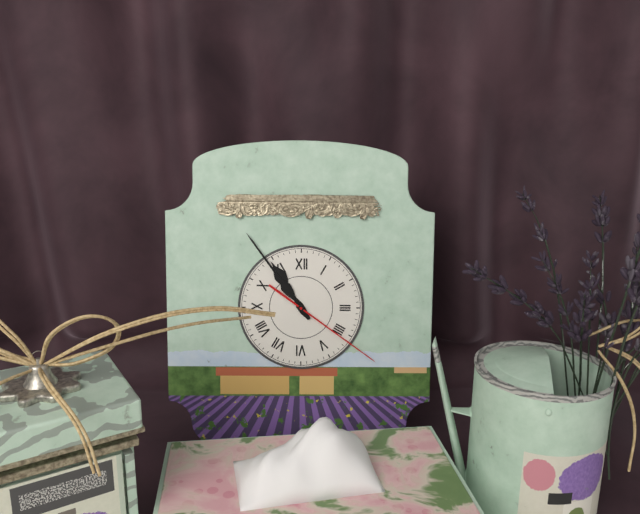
{"hour": 10, "minute": 54, "second": 21}
